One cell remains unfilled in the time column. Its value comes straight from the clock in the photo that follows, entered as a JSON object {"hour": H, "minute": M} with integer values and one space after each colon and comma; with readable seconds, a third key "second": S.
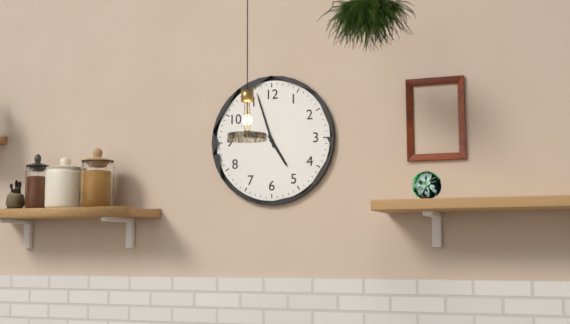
{"hour": 4, "minute": 57}
